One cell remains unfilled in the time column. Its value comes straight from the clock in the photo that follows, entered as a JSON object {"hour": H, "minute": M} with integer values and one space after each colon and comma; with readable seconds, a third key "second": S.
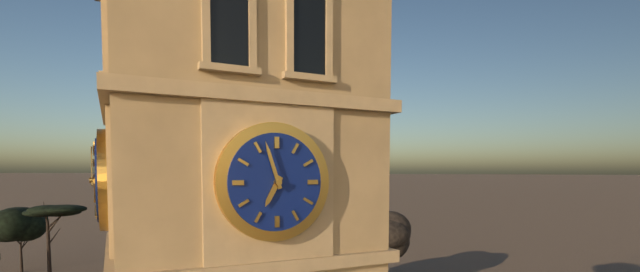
{"hour": 6, "minute": 57}
